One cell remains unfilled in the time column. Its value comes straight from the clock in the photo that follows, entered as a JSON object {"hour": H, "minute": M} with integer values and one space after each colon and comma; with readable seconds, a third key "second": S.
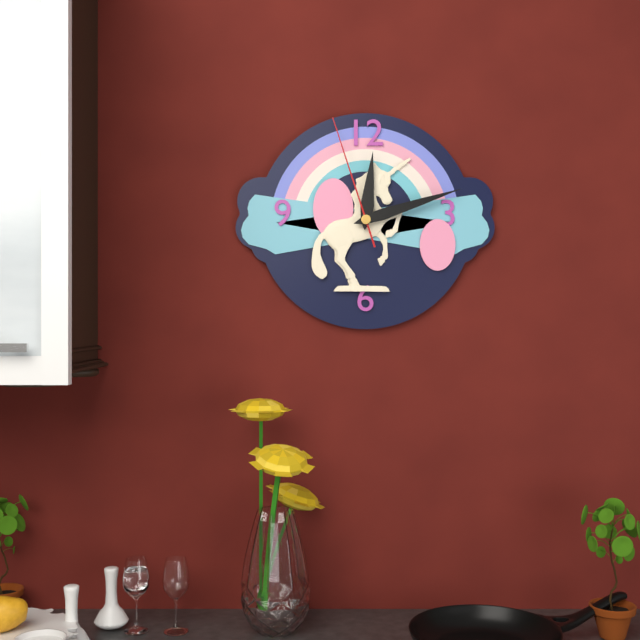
{"hour": 12, "minute": 12, "second": 57}
